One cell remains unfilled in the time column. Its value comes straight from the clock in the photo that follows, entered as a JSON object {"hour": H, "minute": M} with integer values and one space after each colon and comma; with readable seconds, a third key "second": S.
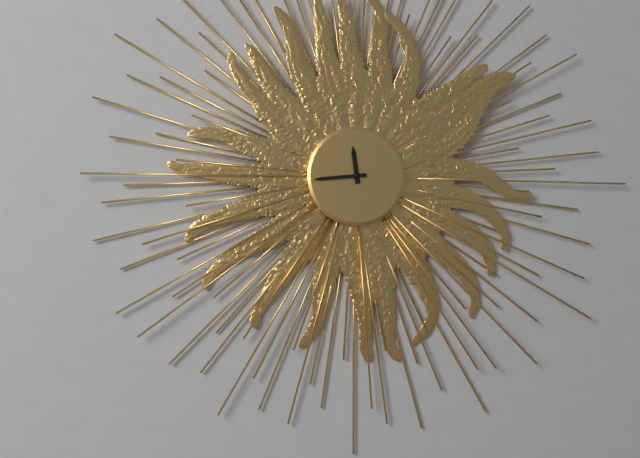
{"hour": 11, "minute": 44}
